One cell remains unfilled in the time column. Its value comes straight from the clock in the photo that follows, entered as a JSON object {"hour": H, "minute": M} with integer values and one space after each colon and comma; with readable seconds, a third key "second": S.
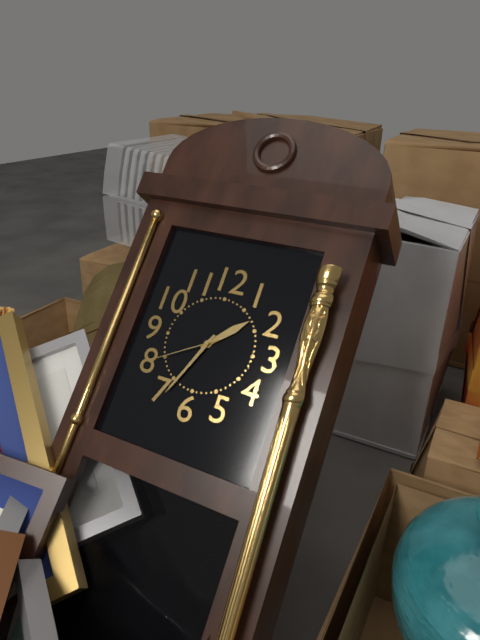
{"hour": 1, "minute": 34, "second": 40}
